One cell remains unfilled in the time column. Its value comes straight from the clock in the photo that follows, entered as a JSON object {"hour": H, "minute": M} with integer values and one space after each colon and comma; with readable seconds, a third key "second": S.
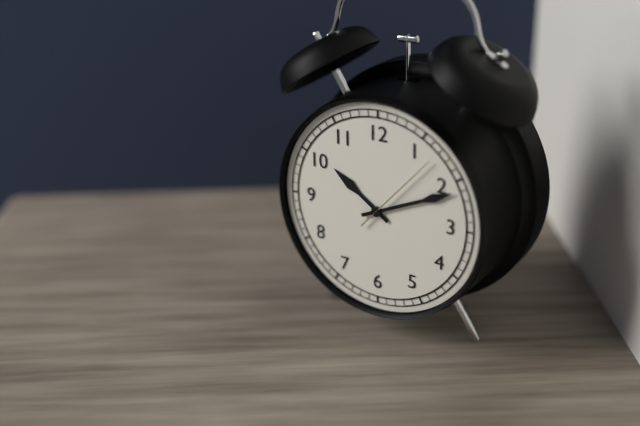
{"hour": 10, "minute": 11, "second": 7}
